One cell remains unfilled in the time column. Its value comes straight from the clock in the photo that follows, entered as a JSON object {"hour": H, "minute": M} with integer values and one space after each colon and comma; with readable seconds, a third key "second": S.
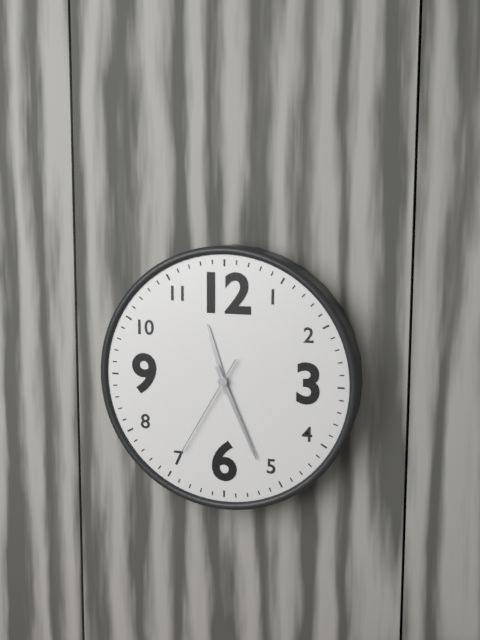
{"hour": 11, "minute": 26, "second": 35}
